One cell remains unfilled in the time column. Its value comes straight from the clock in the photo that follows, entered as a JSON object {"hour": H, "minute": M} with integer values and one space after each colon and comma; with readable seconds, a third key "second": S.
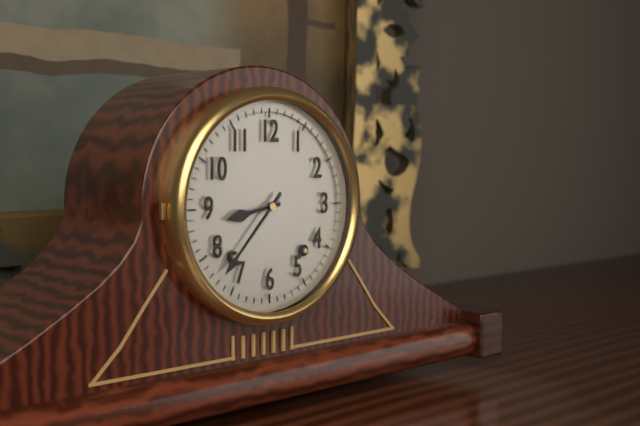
{"hour": 8, "minute": 37}
